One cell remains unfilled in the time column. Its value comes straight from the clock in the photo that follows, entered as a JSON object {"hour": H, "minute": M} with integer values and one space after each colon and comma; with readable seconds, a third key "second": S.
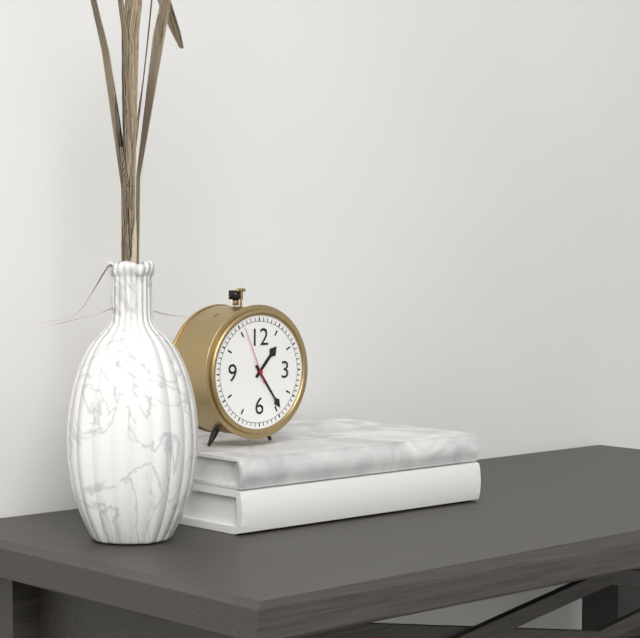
{"hour": 1, "minute": 24, "second": 56}
